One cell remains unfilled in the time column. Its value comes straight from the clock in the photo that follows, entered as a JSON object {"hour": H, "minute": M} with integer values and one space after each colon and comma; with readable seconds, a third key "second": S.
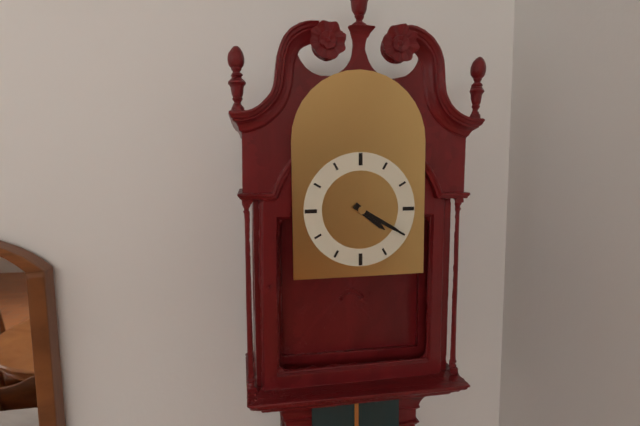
{"hour": 4, "minute": 20}
